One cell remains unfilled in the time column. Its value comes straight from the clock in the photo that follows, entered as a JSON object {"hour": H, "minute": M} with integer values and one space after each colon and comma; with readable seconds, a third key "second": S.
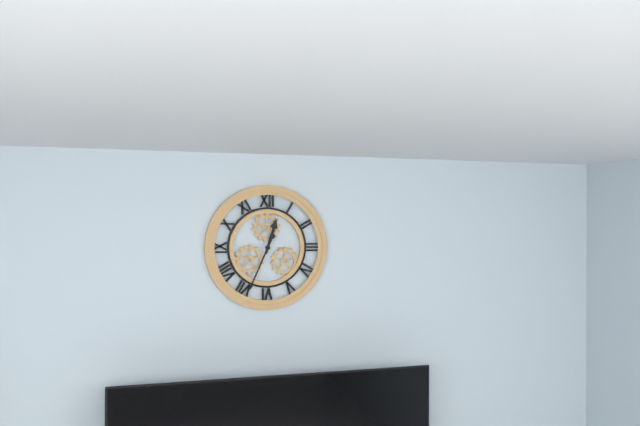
{"hour": 12, "minute": 34}
